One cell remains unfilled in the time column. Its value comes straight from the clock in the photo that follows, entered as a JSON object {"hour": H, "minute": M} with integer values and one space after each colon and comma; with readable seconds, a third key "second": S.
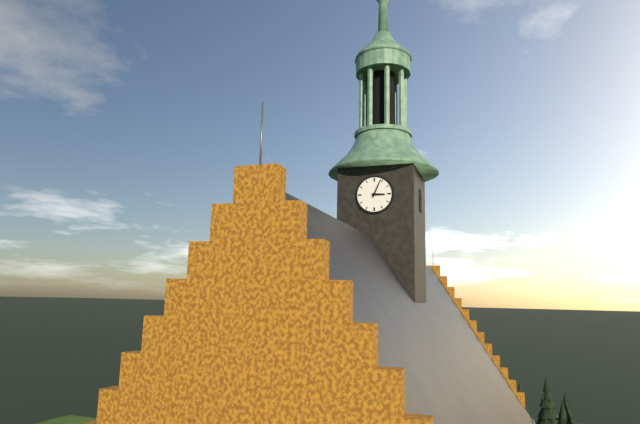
{"hour": 3, "minute": 4}
